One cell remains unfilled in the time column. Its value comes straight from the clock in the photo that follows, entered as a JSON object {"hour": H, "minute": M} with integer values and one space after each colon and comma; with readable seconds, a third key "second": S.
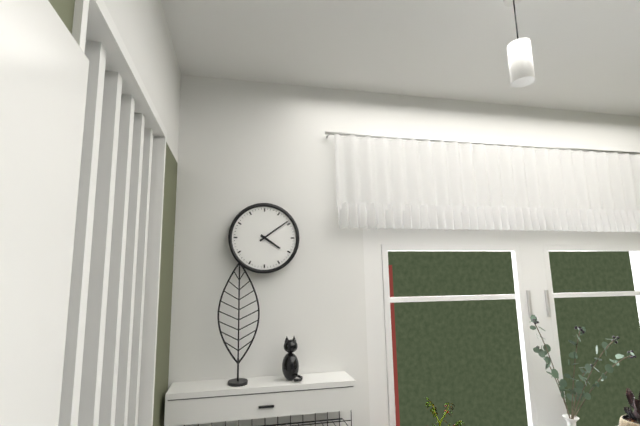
{"hour": 4, "minute": 9}
